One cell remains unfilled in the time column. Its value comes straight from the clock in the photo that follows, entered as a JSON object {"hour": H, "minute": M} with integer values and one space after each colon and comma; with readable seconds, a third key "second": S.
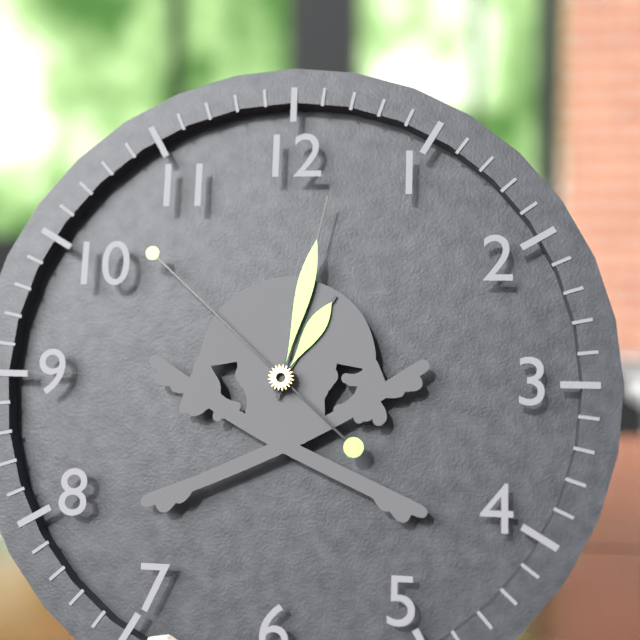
{"hour": 1, "minute": 2, "second": 52}
